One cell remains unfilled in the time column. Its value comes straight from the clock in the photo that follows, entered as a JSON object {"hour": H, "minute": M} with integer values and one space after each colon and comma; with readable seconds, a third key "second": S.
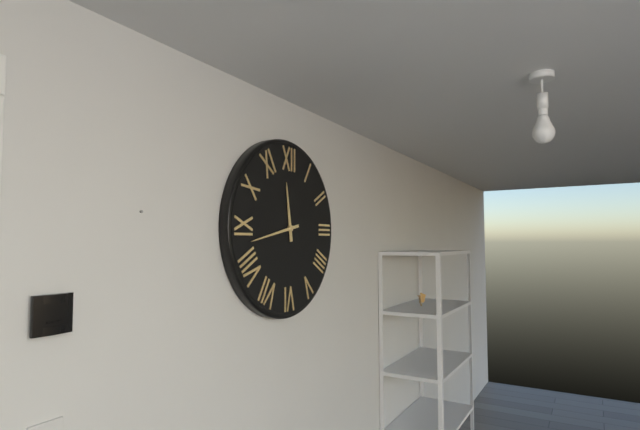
{"hour": 11, "minute": 43}
